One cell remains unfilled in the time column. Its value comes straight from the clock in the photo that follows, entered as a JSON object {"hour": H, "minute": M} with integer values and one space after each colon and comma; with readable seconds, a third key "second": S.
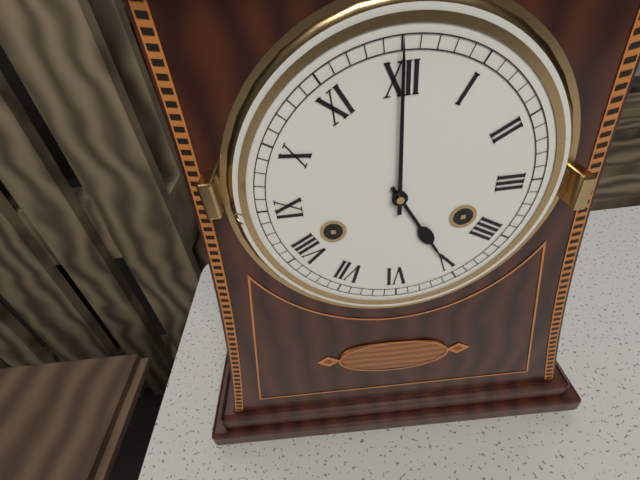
{"hour": 5, "minute": 0}
